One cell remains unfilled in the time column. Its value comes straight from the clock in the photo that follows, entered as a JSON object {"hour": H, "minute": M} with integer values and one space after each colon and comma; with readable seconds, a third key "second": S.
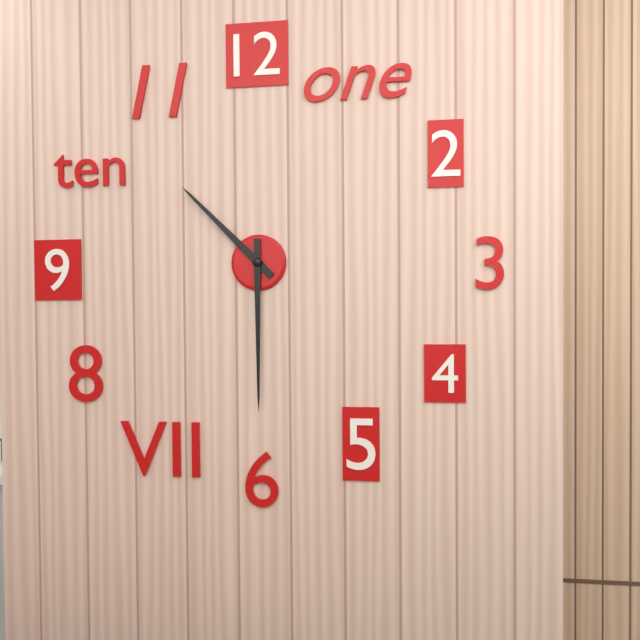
{"hour": 10, "minute": 30}
